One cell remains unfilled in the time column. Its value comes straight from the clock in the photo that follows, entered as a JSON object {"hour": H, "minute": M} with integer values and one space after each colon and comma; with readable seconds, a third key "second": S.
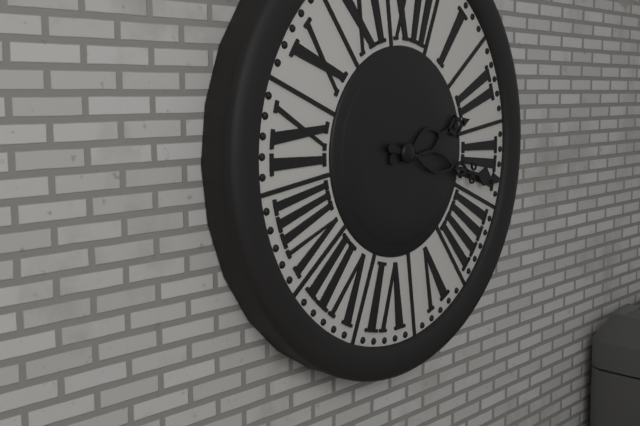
{"hour": 2, "minute": 16}
